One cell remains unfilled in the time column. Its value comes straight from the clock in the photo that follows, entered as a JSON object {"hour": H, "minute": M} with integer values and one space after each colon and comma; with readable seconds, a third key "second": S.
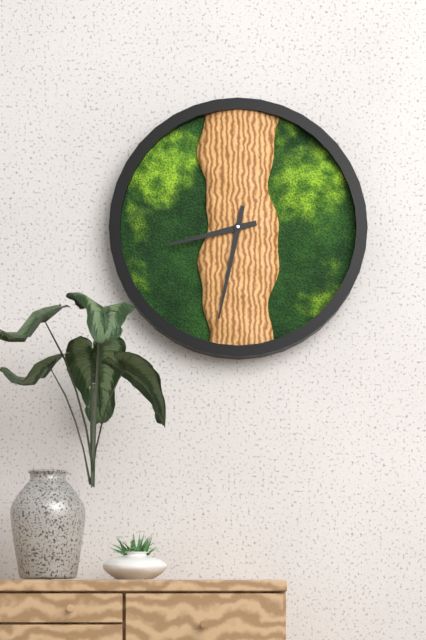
{"hour": 8, "minute": 32}
